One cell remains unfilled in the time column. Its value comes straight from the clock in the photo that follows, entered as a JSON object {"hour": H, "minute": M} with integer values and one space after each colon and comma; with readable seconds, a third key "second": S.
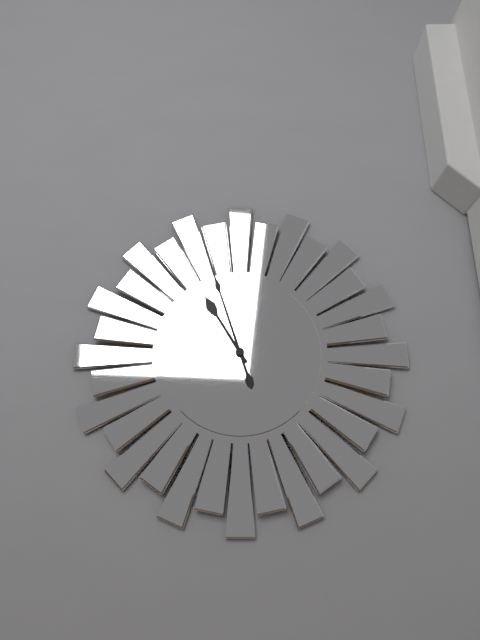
{"hour": 10, "minute": 57}
